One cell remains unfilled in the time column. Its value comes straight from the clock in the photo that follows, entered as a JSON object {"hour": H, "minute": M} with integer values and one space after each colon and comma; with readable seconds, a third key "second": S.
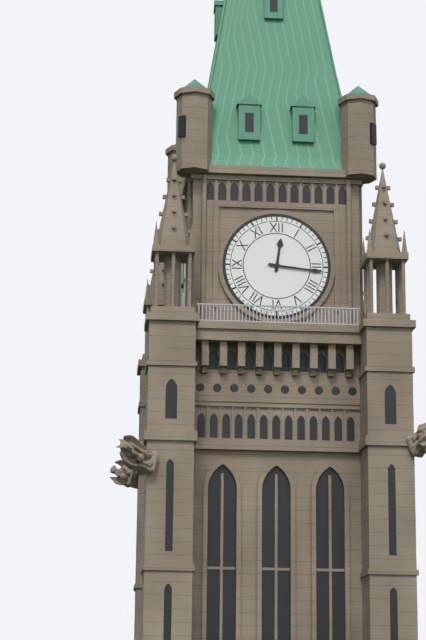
{"hour": 12, "minute": 16}
